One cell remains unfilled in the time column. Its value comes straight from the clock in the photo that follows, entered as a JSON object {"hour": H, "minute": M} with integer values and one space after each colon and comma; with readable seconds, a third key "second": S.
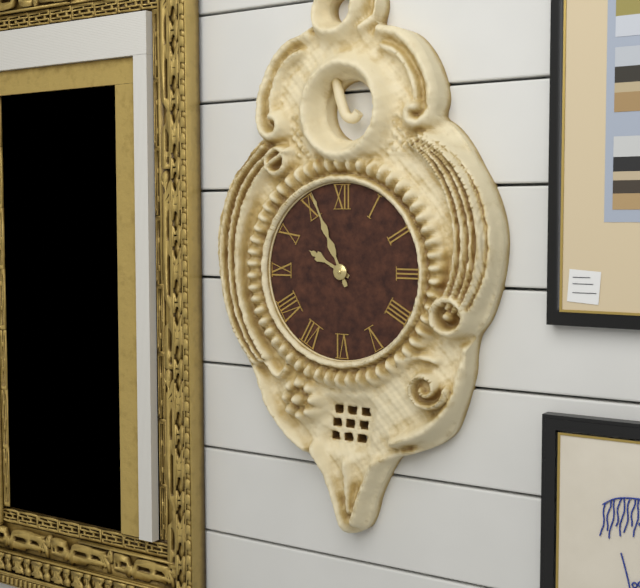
{"hour": 9, "minute": 56}
